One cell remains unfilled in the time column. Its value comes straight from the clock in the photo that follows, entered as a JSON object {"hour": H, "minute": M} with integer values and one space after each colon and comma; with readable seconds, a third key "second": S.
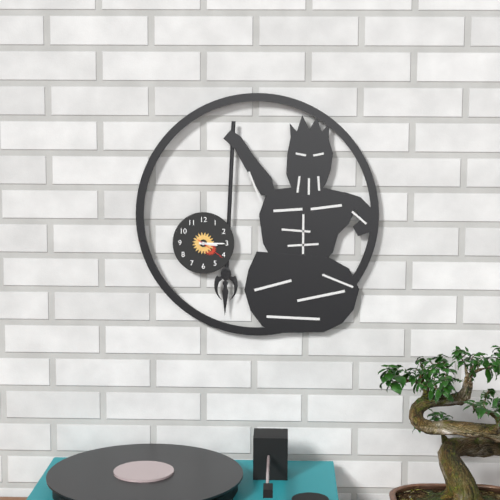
{"hour": 3, "minute": 15}
